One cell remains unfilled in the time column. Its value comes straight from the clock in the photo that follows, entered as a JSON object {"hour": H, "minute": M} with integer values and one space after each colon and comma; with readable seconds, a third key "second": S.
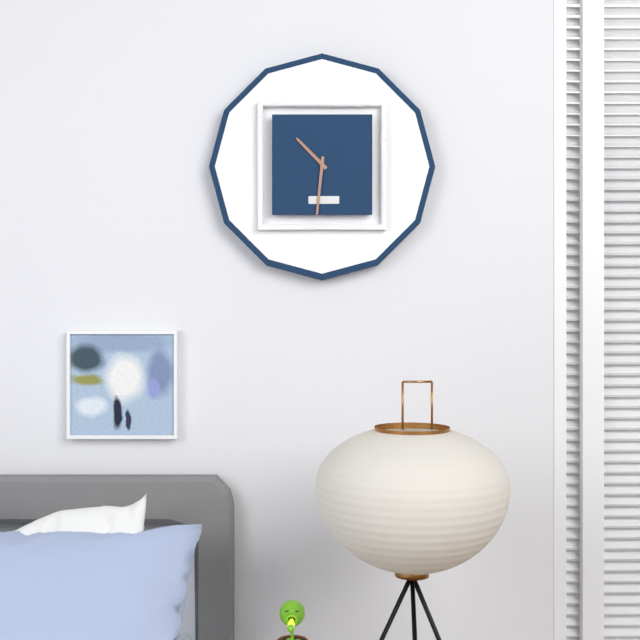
{"hour": 10, "minute": 31}
